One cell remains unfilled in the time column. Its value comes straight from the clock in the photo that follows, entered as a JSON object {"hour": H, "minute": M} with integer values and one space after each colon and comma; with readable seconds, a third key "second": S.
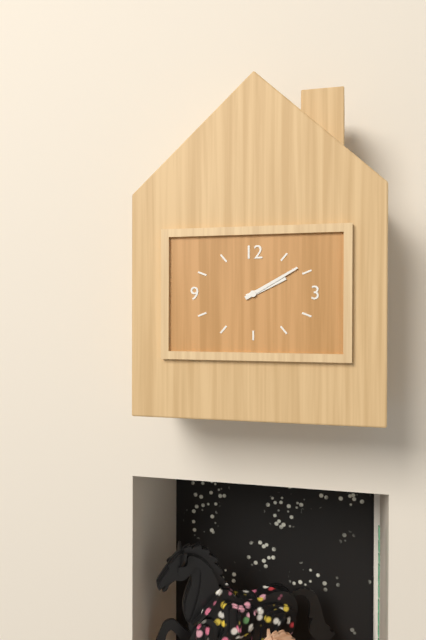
{"hour": 2, "minute": 10}
